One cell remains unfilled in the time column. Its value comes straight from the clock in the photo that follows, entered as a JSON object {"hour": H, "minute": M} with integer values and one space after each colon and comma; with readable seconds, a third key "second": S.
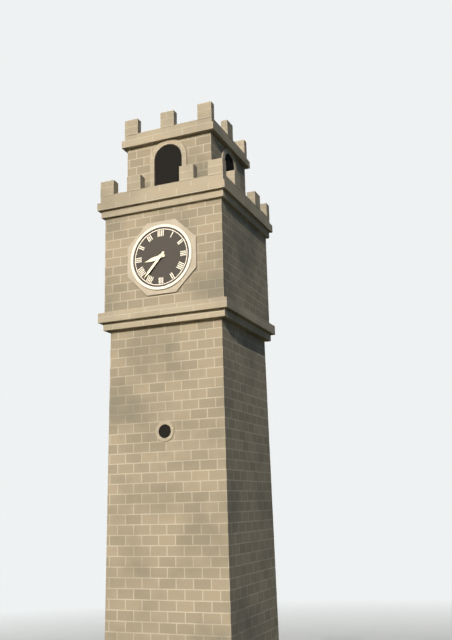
{"hour": 8, "minute": 37}
